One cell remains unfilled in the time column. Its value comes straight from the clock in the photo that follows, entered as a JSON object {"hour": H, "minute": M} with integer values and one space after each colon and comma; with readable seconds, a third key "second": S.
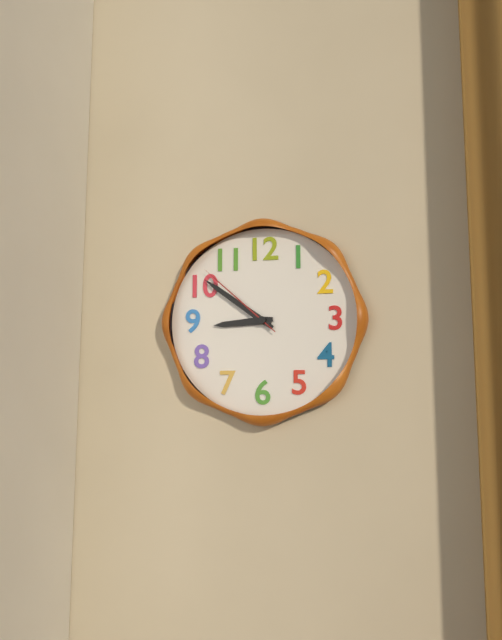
{"hour": 8, "minute": 51, "second": 52}
